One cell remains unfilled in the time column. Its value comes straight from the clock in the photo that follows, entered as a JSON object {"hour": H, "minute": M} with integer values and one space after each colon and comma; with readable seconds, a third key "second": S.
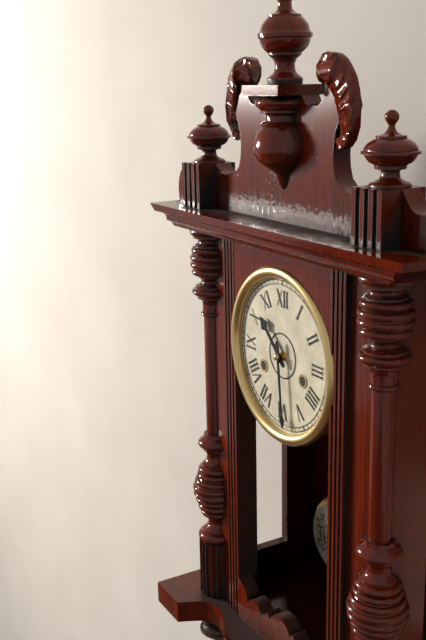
{"hour": 10, "minute": 29}
